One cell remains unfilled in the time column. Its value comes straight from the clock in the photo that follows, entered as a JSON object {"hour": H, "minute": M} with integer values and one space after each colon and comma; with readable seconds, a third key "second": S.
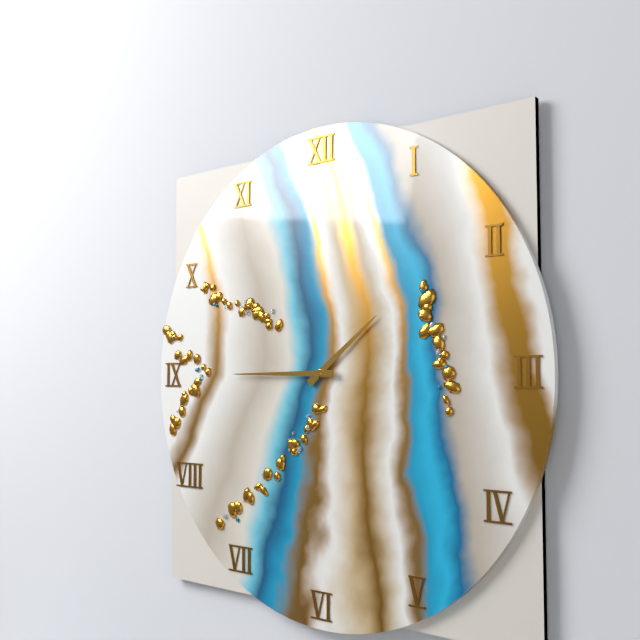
{"hour": 1, "minute": 45}
